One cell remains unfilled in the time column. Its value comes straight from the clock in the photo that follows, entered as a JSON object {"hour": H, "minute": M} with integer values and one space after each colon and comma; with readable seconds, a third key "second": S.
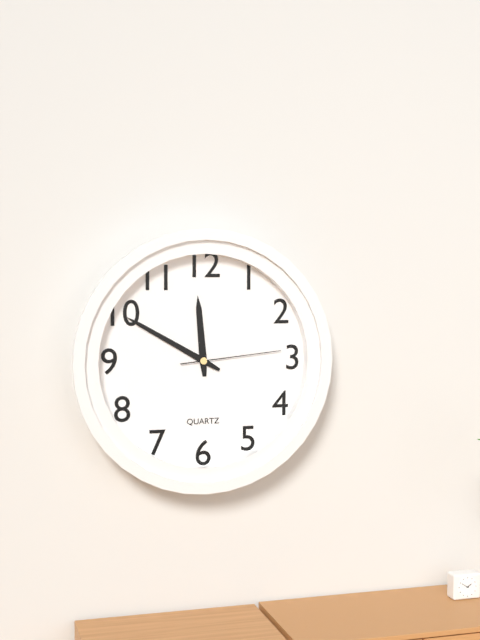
{"hour": 11, "minute": 50, "second": 14}
